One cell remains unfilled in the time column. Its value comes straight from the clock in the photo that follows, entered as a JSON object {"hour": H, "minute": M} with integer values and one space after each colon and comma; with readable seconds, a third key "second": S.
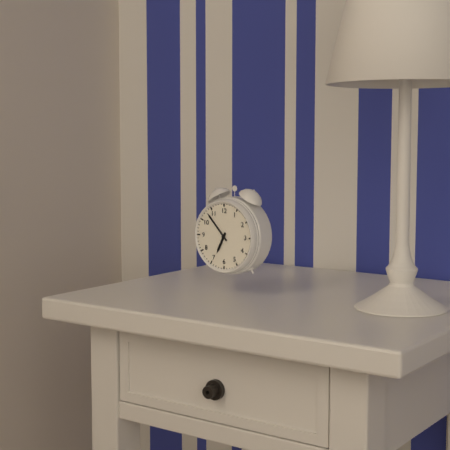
{"hour": 6, "minute": 53}
